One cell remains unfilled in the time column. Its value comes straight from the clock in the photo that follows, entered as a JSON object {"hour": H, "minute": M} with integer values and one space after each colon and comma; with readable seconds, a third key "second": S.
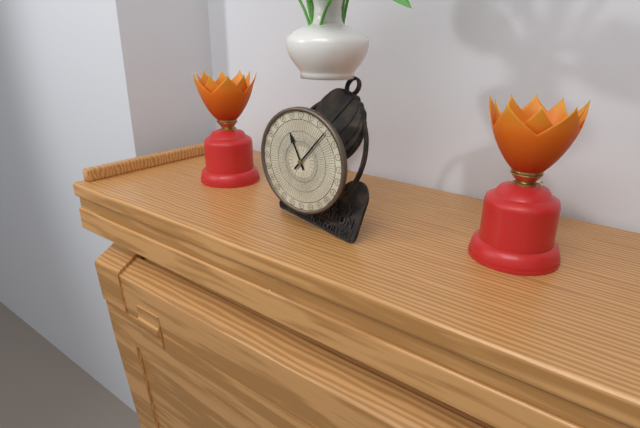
{"hour": 11, "minute": 7}
